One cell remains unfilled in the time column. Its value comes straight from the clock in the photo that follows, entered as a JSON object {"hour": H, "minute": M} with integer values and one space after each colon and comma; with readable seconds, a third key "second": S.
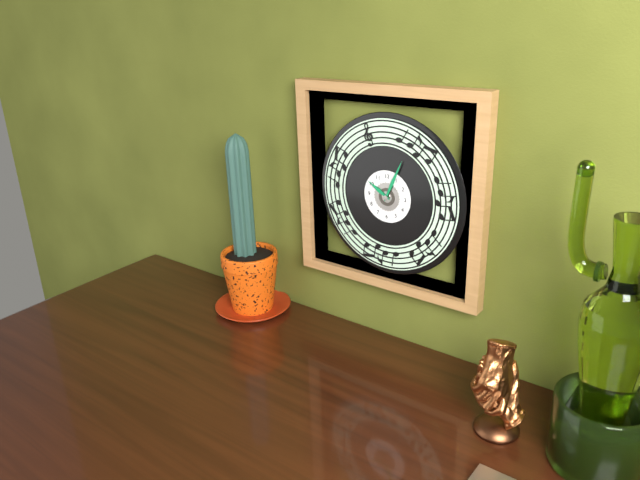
{"hour": 10, "minute": 4}
